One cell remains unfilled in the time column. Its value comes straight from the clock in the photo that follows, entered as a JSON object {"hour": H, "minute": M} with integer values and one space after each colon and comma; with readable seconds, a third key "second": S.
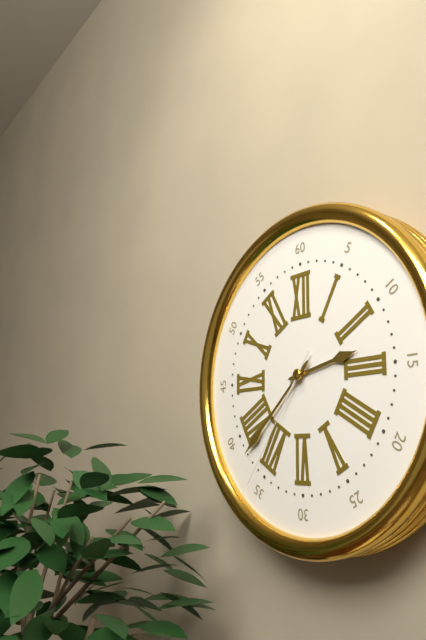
{"hour": 2, "minute": 38, "second": 36}
